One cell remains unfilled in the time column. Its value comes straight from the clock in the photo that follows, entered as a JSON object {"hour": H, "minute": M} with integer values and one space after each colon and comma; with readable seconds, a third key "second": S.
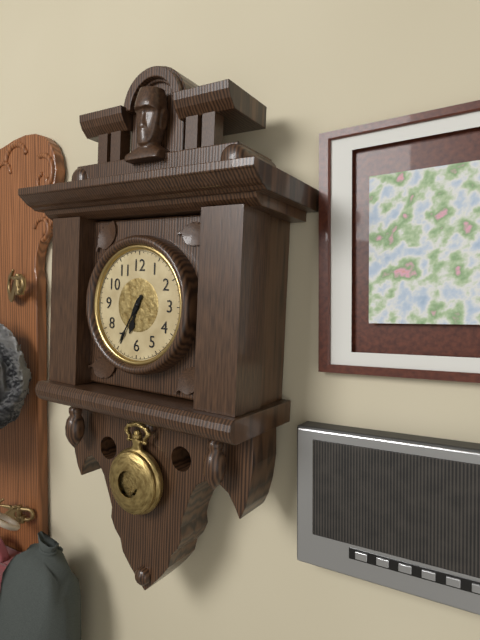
{"hour": 6, "minute": 35}
